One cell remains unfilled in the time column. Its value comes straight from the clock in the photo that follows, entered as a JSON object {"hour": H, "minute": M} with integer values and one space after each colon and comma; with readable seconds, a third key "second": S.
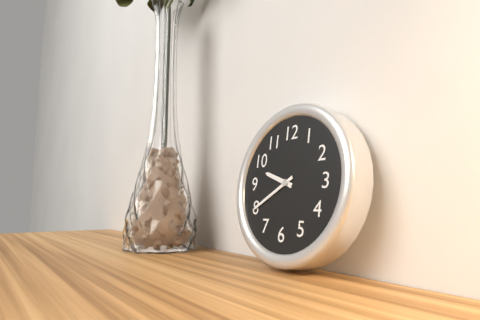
{"hour": 9, "minute": 40}
